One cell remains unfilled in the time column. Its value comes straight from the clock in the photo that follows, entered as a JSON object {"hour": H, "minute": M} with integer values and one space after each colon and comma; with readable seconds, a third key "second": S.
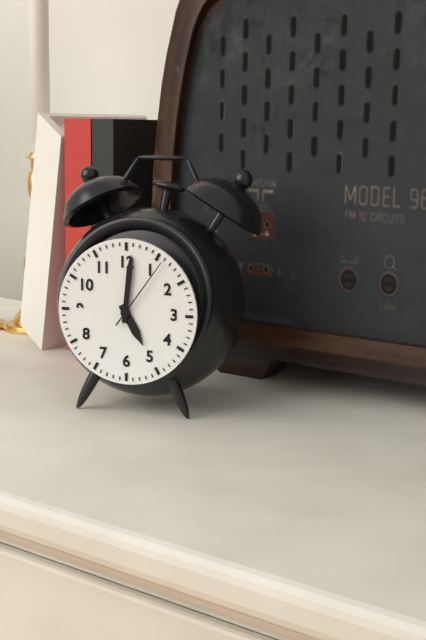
{"hour": 5, "minute": 1, "second": 6}
